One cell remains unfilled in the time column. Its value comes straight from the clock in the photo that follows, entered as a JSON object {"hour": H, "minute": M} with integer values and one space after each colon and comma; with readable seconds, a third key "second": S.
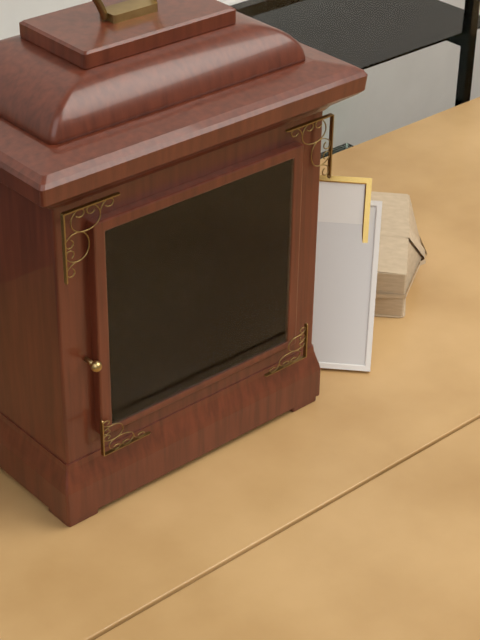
{"hour": 4, "minute": 37}
